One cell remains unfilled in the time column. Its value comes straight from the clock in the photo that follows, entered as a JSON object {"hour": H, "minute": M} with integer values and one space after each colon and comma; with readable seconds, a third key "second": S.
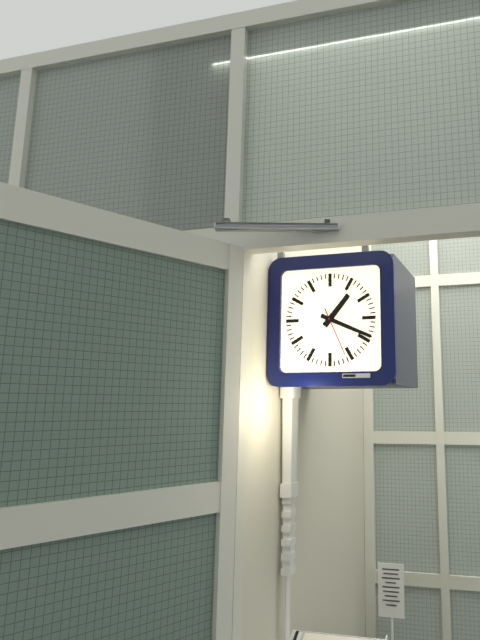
{"hour": 1, "minute": 19}
